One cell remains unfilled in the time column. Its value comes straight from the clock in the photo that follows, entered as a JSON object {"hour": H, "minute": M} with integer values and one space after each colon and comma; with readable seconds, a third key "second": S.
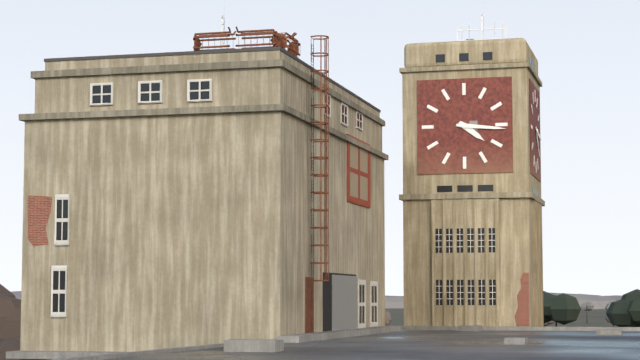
{"hour": 4, "minute": 16}
